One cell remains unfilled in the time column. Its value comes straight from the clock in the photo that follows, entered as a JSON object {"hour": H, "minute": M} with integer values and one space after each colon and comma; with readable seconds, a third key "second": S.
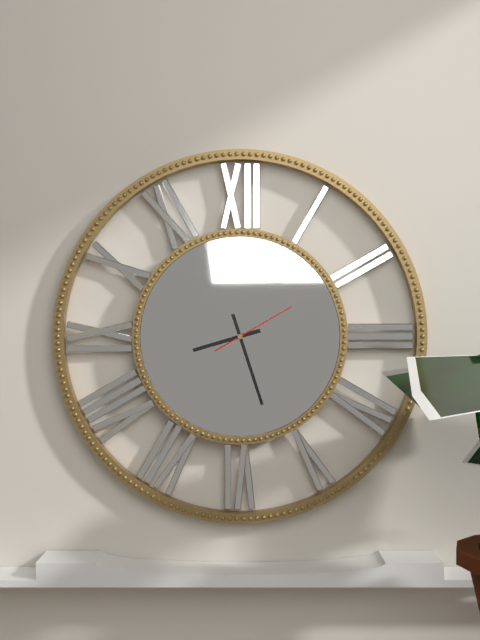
{"hour": 8, "minute": 27, "second": 10}
